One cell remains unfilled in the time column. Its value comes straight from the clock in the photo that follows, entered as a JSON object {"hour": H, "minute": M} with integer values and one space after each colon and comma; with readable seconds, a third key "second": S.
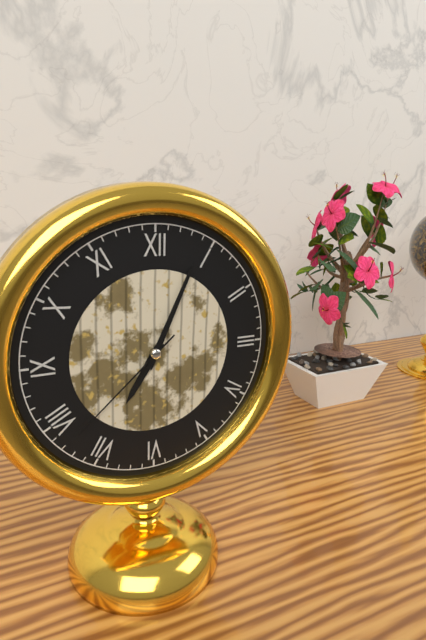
{"hour": 7, "minute": 4, "second": 38}
